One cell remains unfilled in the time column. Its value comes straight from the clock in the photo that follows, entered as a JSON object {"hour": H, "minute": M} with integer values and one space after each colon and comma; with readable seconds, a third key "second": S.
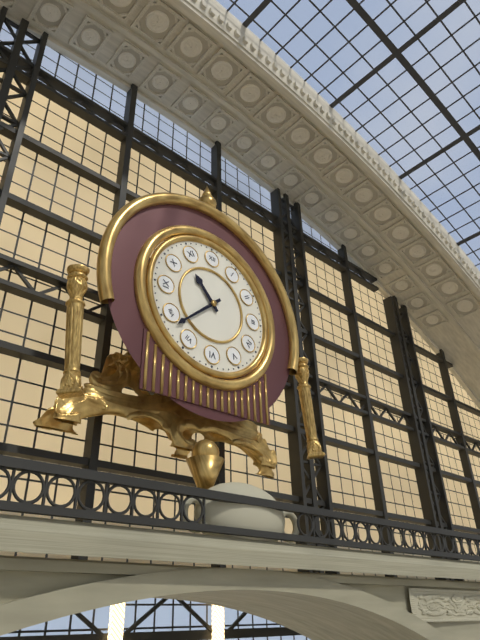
{"hour": 10, "minute": 38}
